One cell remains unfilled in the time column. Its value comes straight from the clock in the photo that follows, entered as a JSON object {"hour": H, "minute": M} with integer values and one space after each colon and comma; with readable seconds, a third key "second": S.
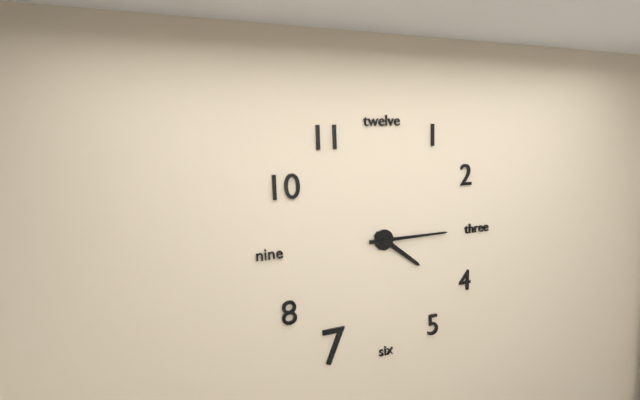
{"hour": 4, "minute": 15}
